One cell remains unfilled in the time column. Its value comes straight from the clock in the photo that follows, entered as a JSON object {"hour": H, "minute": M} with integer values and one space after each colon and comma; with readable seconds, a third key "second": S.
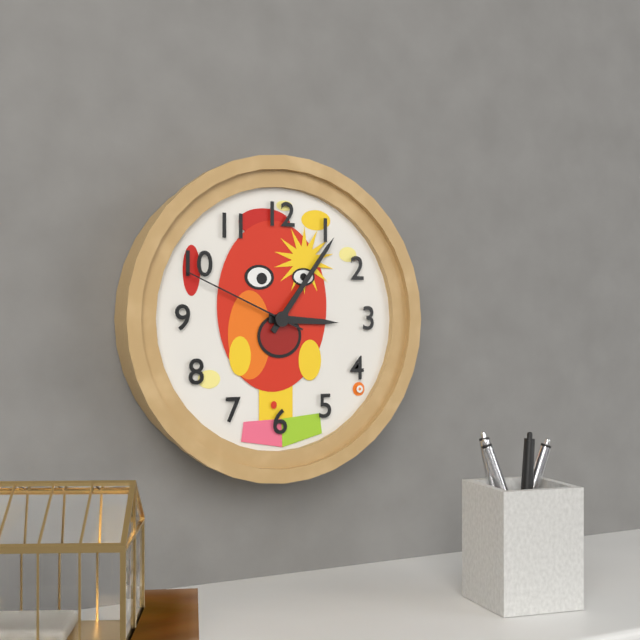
{"hour": 3, "minute": 6, "second": 49}
